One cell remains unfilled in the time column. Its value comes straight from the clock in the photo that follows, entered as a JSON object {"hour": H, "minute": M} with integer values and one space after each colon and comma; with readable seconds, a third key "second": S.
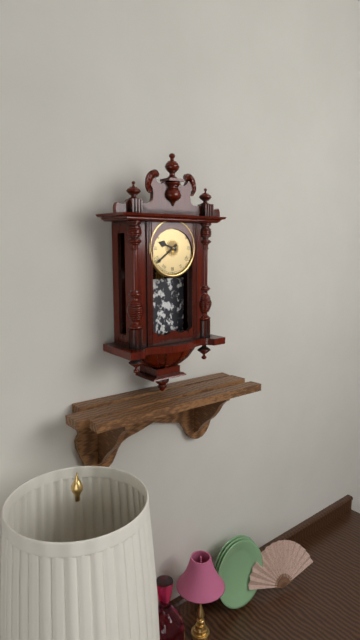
{"hour": 9, "minute": 39}
